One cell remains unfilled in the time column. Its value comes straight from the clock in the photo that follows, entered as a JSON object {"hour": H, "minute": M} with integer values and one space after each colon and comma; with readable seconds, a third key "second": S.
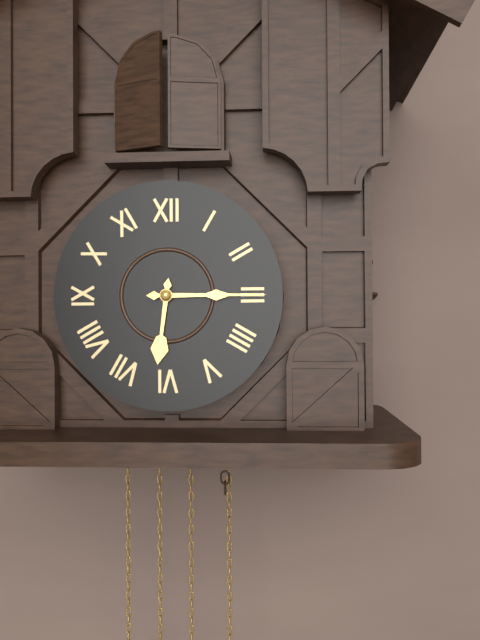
{"hour": 6, "minute": 15}
